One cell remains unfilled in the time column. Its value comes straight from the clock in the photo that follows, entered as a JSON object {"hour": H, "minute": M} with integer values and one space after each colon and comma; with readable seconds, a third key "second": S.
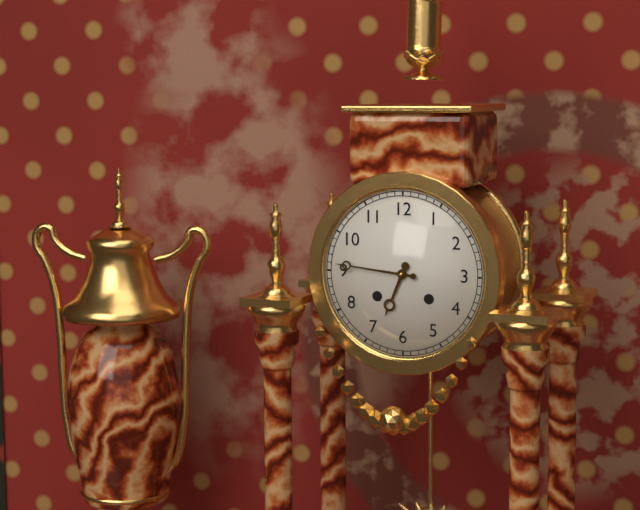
{"hour": 6, "minute": 46}
